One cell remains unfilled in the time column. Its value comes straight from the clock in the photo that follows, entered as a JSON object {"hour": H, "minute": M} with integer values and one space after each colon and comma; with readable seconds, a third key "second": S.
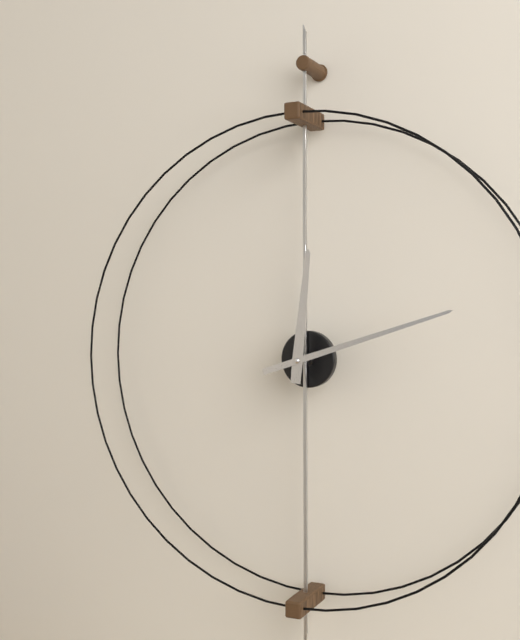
{"hour": 12, "minute": 12}
